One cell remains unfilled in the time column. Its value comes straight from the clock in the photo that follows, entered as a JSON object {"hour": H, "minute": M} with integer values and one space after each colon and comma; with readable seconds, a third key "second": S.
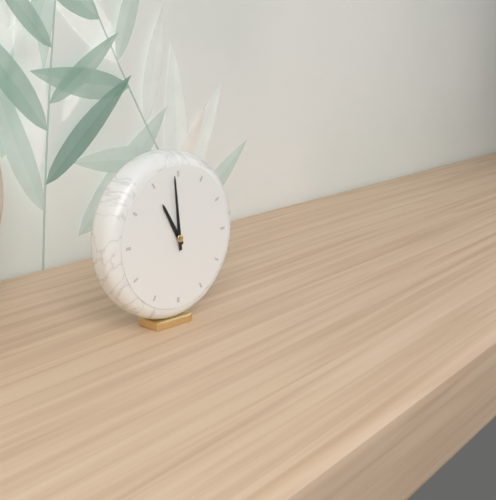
{"hour": 10, "minute": 59}
